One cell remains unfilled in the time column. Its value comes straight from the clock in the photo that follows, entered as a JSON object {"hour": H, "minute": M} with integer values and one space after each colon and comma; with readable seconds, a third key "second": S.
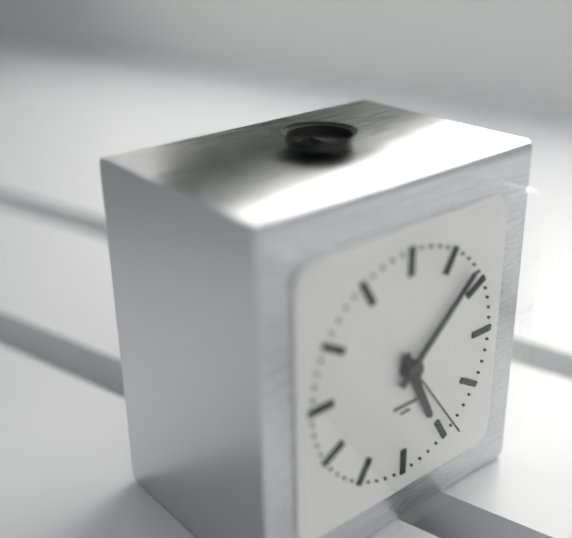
{"hour": 5, "minute": 8, "second": 24}
